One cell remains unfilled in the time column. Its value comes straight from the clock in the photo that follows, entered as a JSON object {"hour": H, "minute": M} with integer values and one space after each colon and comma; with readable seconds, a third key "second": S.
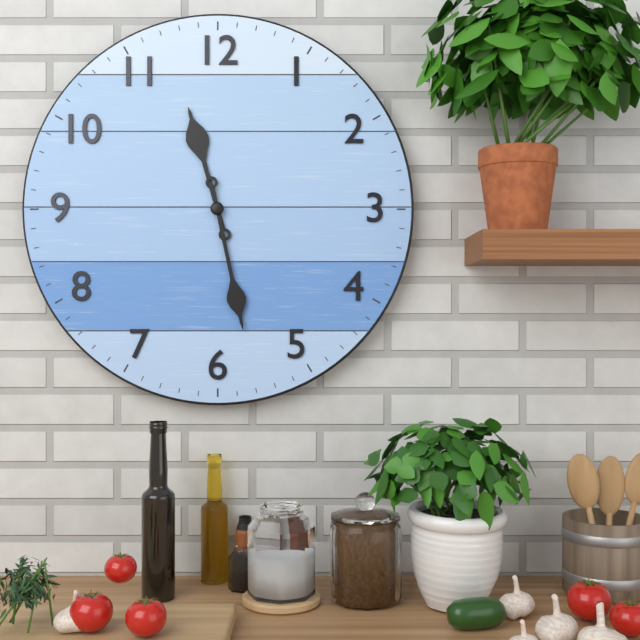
{"hour": 11, "minute": 28}
